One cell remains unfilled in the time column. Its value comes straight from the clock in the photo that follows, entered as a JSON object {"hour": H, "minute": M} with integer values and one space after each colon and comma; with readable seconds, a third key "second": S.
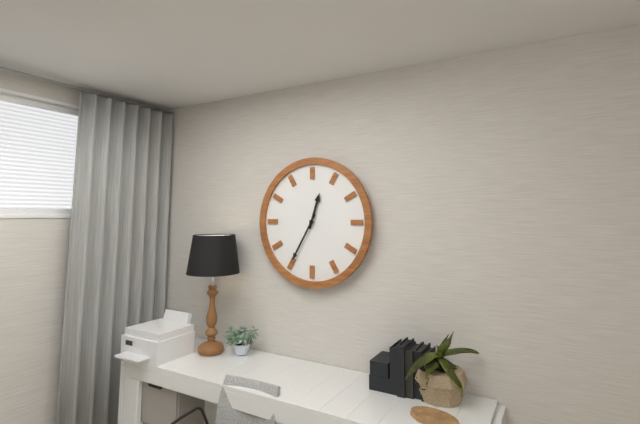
{"hour": 12, "minute": 35}
